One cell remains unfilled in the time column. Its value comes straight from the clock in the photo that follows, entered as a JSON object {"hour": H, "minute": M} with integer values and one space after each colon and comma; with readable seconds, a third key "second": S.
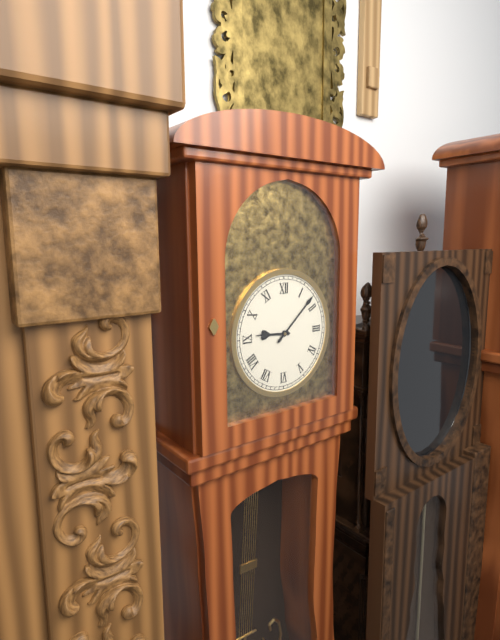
{"hour": 9, "minute": 8}
